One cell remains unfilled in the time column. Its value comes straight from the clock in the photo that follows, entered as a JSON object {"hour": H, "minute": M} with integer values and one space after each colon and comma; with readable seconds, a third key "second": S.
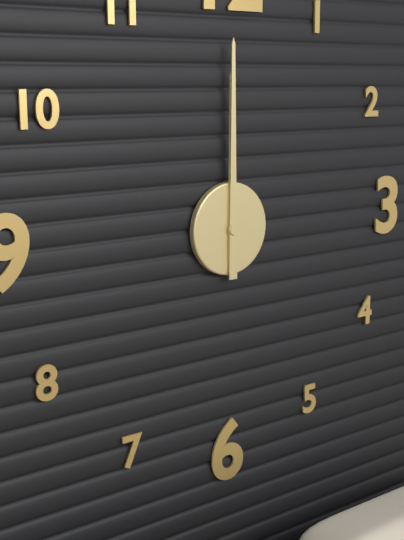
{"hour": 12, "minute": 0}
